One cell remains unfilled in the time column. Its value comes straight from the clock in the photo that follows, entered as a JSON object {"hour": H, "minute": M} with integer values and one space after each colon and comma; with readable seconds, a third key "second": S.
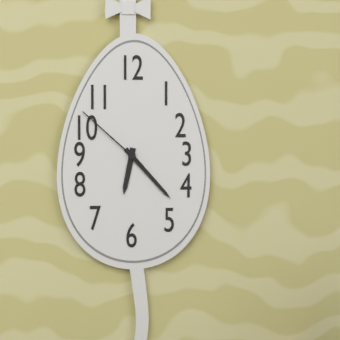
{"hour": 6, "minute": 23, "second": 52}
